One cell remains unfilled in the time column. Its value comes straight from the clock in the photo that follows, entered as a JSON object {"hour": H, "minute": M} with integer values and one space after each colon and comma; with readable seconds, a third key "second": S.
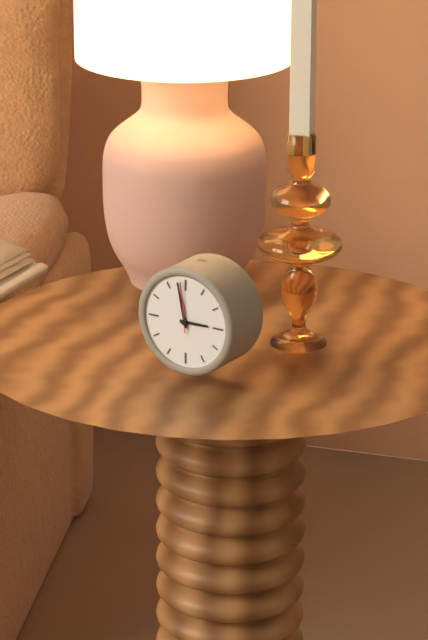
{"hour": 2, "minute": 58, "second": 59}
